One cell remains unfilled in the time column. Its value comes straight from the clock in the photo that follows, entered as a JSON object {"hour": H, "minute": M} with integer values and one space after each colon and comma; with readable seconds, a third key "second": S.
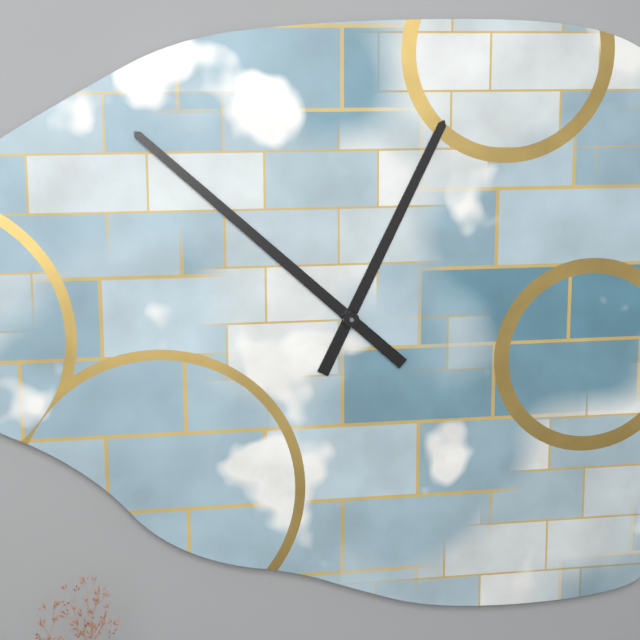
{"hour": 12, "minute": 52}
